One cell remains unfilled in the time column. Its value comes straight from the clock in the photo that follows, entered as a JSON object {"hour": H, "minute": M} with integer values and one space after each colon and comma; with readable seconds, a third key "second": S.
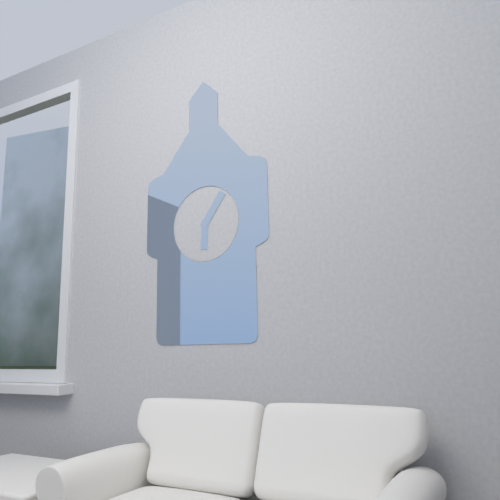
{"hour": 6, "minute": 6}
